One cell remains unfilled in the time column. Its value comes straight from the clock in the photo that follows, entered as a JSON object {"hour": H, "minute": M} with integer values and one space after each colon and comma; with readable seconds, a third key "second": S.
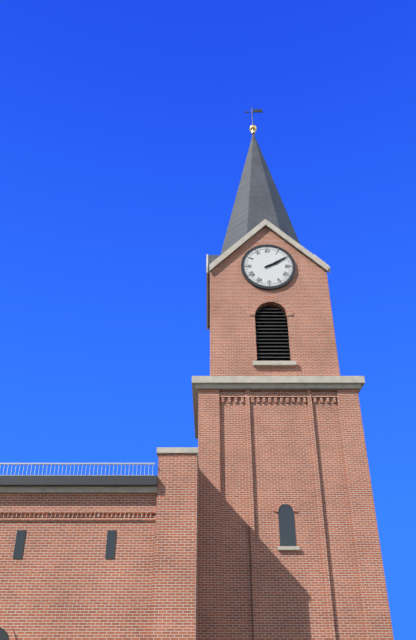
{"hour": 2, "minute": 10}
